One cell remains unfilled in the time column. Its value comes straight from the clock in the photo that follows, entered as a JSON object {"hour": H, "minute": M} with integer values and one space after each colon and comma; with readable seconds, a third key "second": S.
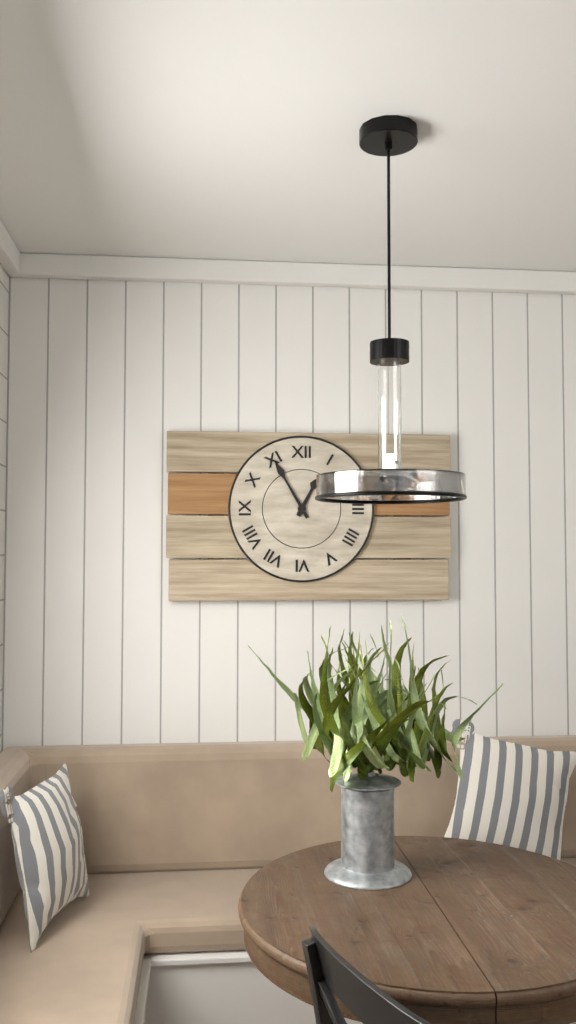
{"hour": 12, "minute": 55}
